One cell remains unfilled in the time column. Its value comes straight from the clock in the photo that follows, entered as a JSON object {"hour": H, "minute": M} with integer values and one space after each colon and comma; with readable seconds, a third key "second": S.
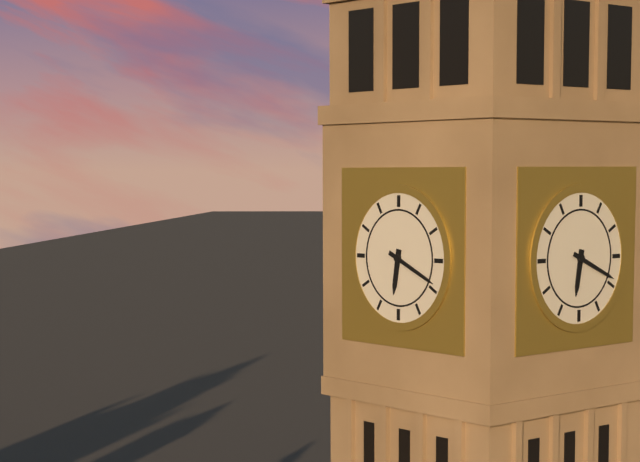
{"hour": 6, "minute": 19}
